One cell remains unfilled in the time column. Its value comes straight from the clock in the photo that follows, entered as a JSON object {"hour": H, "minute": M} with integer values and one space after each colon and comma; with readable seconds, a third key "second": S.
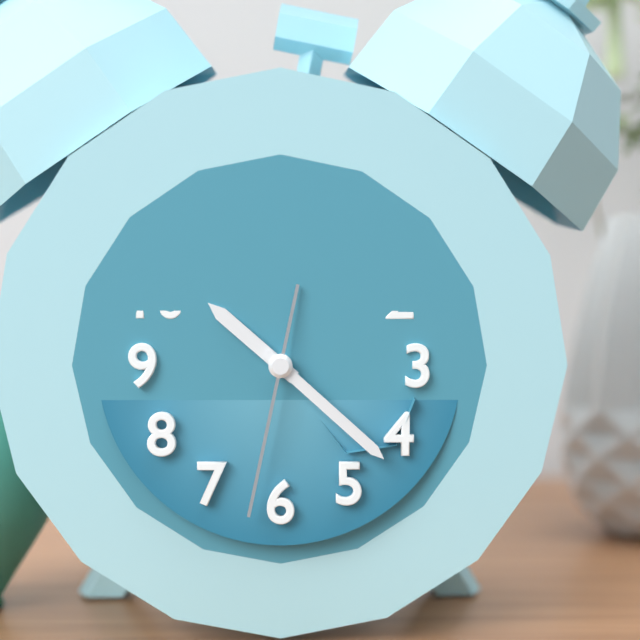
{"hour": 10, "minute": 22, "second": 32}
